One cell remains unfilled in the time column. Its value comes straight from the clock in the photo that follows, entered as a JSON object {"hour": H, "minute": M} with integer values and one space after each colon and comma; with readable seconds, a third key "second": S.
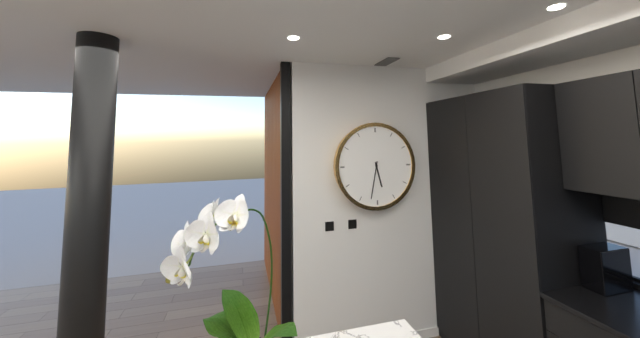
{"hour": 5, "minute": 32}
